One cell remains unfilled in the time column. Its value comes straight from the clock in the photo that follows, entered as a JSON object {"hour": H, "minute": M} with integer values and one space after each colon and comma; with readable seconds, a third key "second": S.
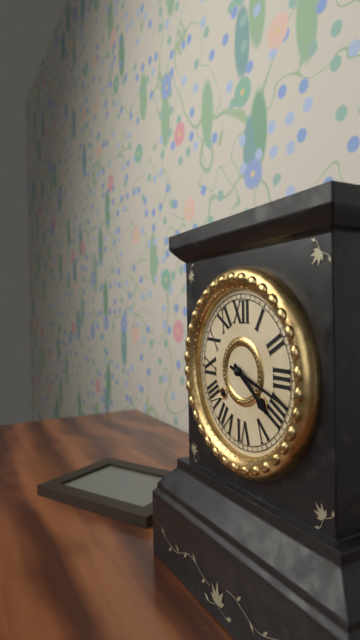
{"hour": 4, "minute": 18}
